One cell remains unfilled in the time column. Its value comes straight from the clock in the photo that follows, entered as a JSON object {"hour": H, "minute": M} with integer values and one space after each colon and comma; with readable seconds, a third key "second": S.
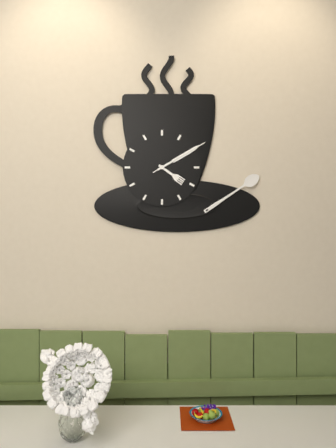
{"hour": 4, "minute": 10, "second": 10}
